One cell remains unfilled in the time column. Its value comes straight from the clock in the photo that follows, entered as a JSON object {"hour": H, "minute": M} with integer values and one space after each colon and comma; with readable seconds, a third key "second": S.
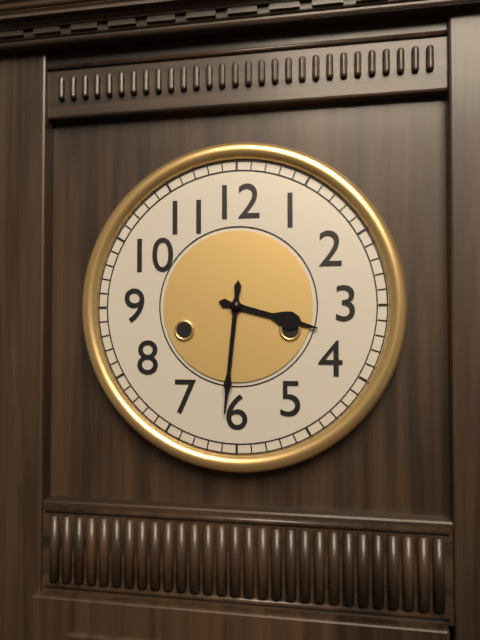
{"hour": 3, "minute": 31}
